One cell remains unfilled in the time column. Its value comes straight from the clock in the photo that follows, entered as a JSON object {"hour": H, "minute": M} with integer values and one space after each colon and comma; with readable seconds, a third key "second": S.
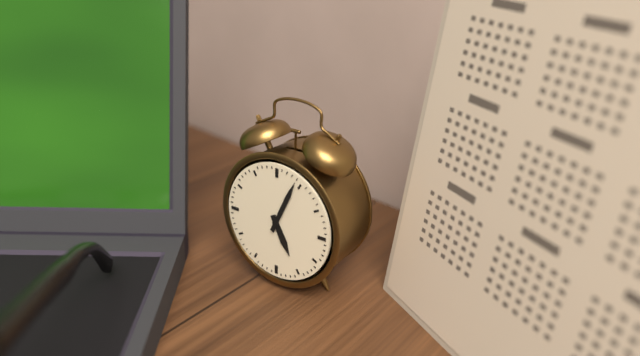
{"hour": 5, "minute": 4}
